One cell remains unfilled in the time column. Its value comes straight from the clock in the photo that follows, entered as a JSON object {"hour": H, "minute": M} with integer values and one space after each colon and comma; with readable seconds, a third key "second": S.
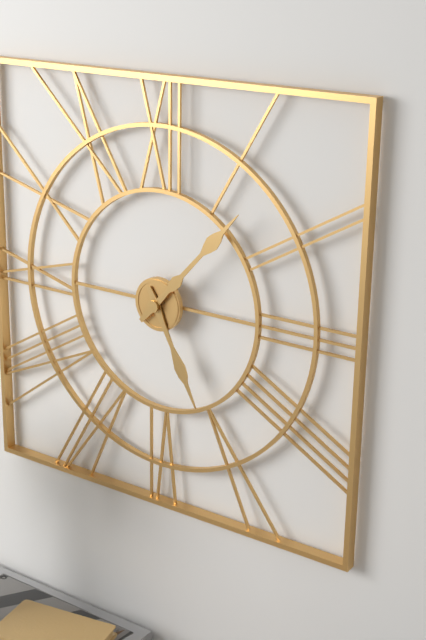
{"hour": 5, "minute": 7}
